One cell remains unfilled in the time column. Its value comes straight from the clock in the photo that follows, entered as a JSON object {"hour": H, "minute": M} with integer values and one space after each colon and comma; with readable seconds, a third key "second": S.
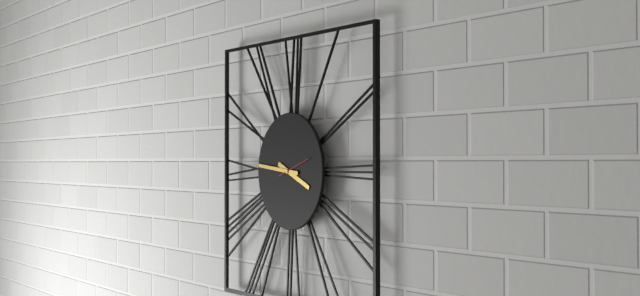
{"hour": 3, "minute": 46}
